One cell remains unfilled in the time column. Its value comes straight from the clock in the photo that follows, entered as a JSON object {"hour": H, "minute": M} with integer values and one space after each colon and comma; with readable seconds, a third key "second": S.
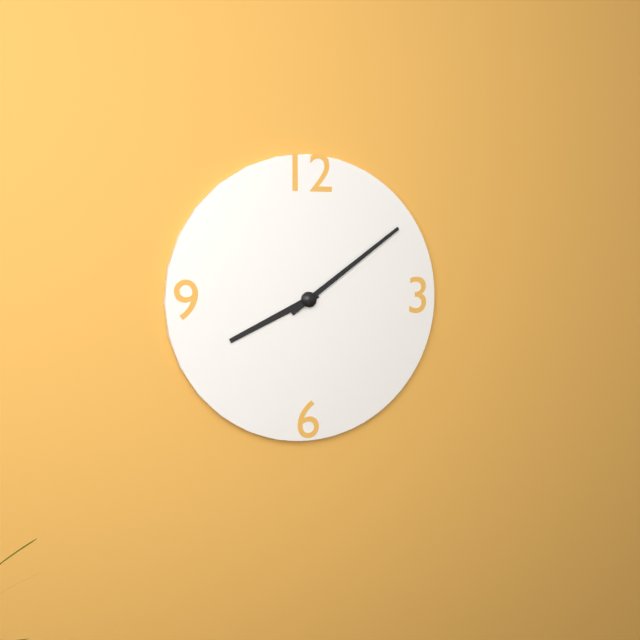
{"hour": 8, "minute": 9}
